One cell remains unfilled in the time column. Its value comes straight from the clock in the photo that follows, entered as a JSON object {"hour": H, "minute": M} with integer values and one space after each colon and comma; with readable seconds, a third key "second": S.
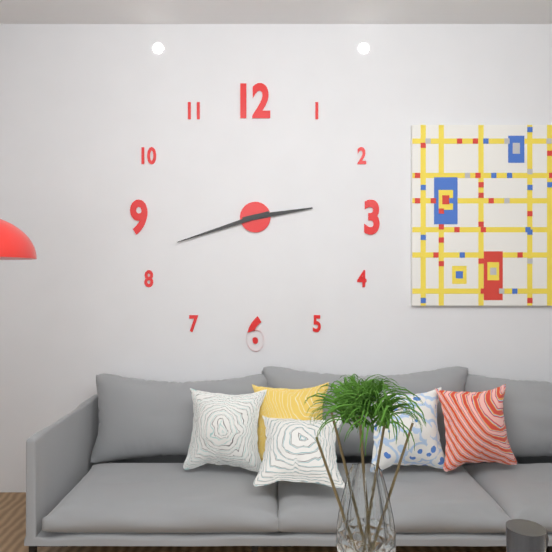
{"hour": 2, "minute": 42}
